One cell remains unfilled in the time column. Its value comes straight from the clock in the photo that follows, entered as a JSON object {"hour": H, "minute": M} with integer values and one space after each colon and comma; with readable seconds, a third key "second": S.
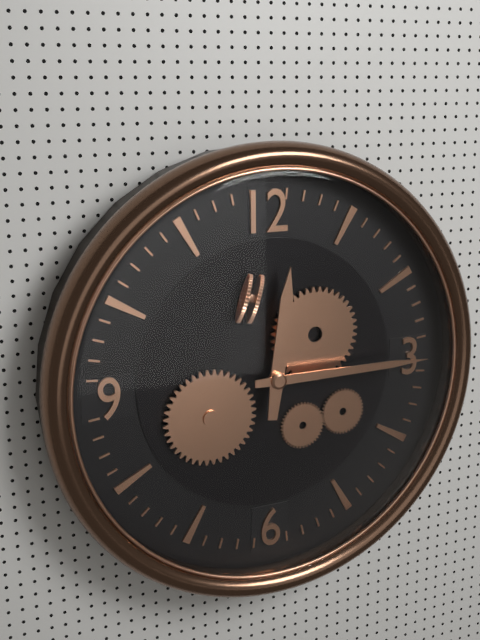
{"hour": 12, "minute": 15}
